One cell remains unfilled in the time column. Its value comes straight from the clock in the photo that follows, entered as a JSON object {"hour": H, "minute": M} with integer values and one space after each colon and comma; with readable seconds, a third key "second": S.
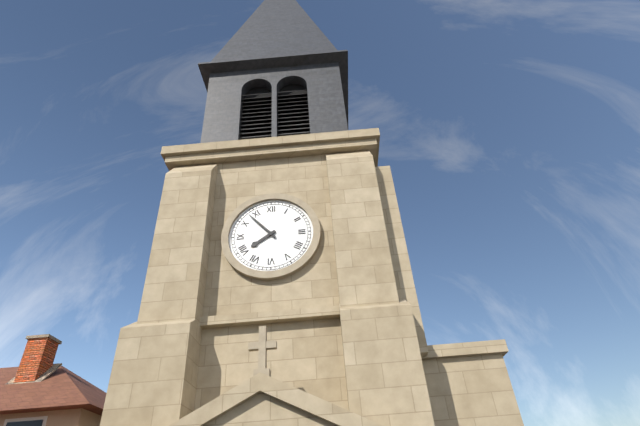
{"hour": 7, "minute": 53}
